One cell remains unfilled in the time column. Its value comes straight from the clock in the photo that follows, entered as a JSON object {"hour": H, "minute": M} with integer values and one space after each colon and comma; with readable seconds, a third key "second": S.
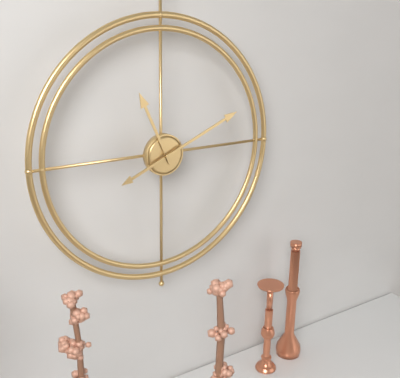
{"hour": 11, "minute": 11}
